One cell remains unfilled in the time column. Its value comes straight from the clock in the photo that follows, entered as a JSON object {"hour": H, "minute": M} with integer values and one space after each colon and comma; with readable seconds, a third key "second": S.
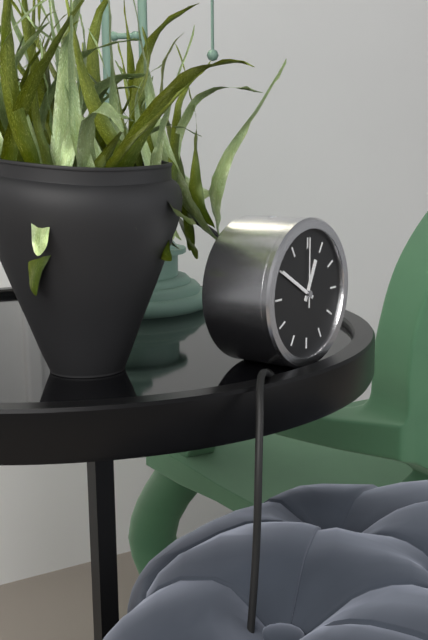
{"hour": 12, "minute": 50, "second": 0}
